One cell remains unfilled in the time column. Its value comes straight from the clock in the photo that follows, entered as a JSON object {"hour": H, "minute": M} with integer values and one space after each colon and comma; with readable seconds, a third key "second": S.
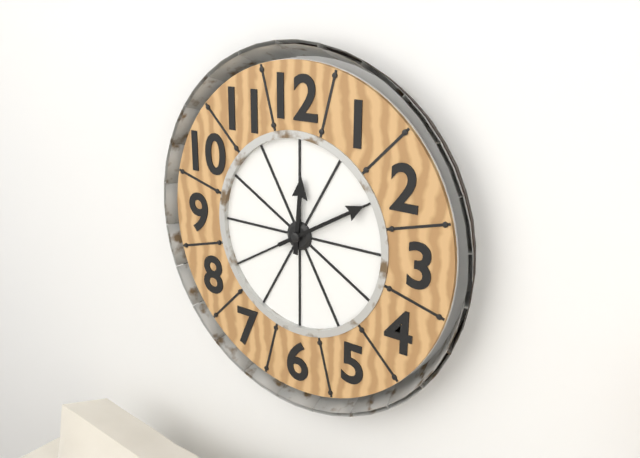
{"hour": 12, "minute": 10}
